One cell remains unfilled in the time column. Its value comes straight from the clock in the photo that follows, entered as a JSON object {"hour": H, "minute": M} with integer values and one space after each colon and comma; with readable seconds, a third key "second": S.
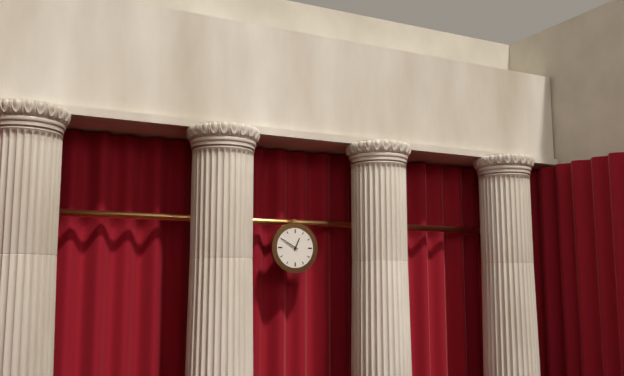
{"hour": 12, "minute": 50}
